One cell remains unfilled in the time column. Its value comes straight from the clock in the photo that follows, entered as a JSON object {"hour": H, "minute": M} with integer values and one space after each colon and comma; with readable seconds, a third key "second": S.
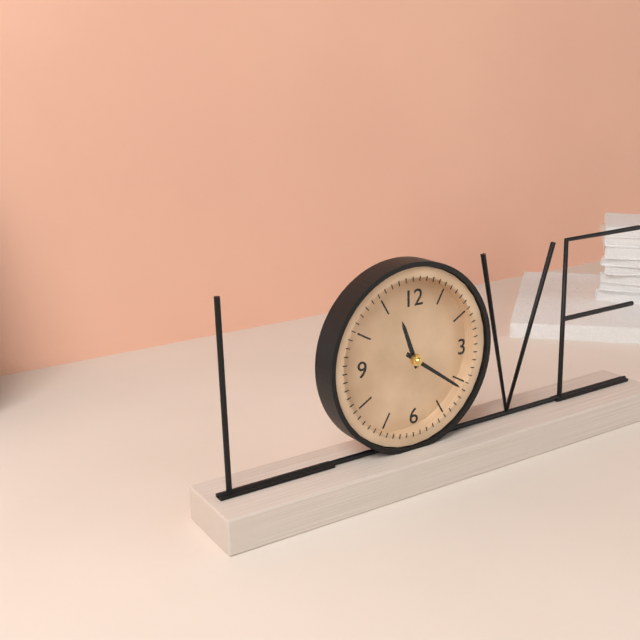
{"hour": 11, "minute": 21}
